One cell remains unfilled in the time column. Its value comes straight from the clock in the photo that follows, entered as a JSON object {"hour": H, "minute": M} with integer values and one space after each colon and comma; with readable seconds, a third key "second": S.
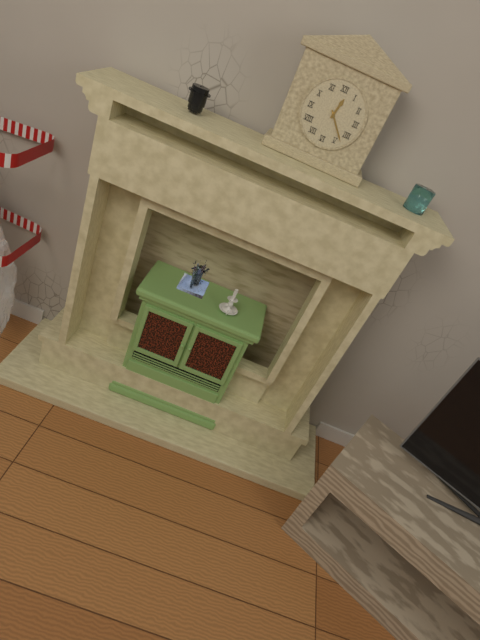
{"hour": 12, "minute": 23}
